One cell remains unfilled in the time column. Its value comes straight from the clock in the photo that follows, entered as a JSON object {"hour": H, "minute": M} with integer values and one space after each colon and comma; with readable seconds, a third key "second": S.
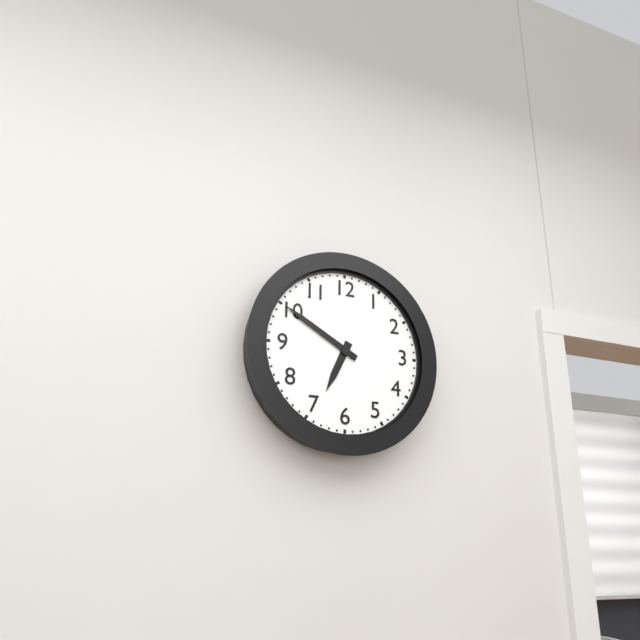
{"hour": 6, "minute": 50}
